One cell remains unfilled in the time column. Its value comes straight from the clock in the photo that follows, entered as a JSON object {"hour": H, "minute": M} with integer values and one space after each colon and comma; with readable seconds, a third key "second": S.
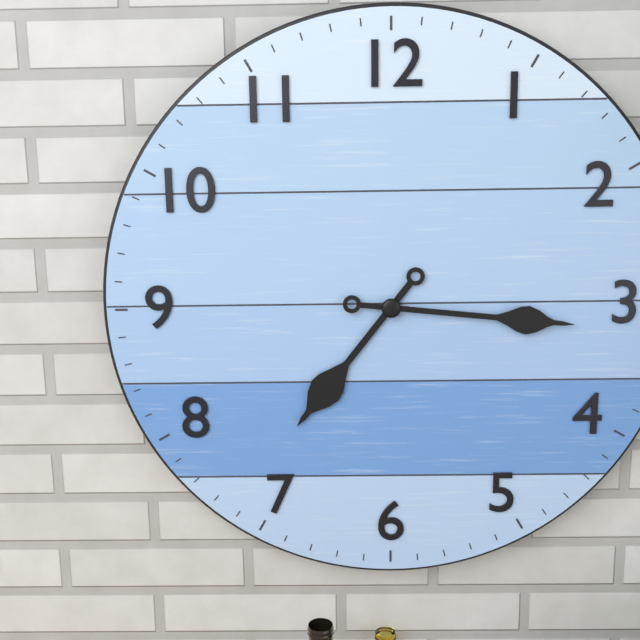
{"hour": 7, "minute": 16}
